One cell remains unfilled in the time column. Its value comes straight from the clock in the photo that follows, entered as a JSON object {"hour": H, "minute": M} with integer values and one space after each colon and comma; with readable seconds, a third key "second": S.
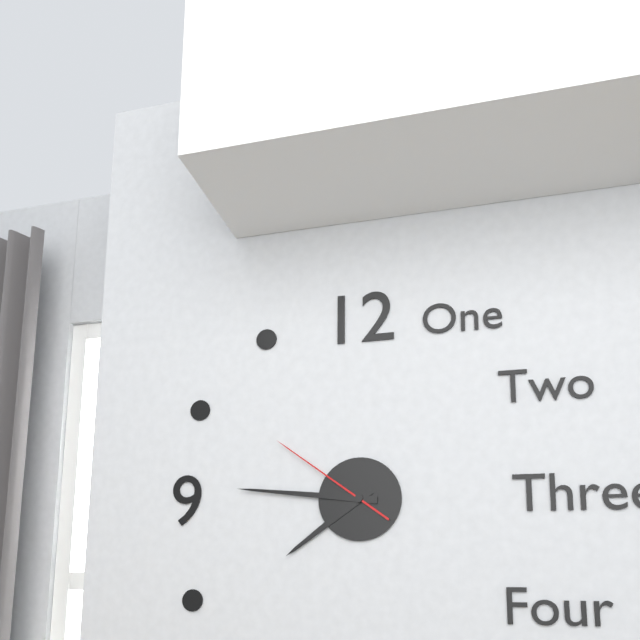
{"hour": 7, "minute": 46, "second": 51}
